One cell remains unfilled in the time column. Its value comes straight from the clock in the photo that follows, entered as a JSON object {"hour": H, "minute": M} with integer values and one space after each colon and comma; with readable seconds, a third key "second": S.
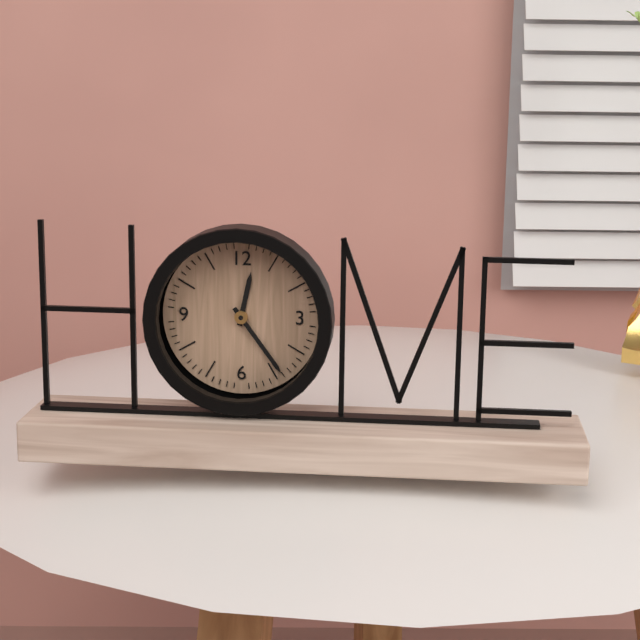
{"hour": 12, "minute": 24}
